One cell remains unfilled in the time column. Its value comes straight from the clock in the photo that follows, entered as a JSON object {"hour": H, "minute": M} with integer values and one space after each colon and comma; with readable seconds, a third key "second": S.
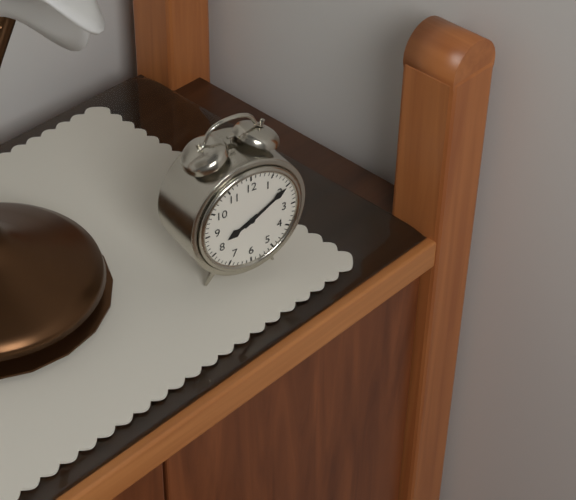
{"hour": 8, "minute": 10}
